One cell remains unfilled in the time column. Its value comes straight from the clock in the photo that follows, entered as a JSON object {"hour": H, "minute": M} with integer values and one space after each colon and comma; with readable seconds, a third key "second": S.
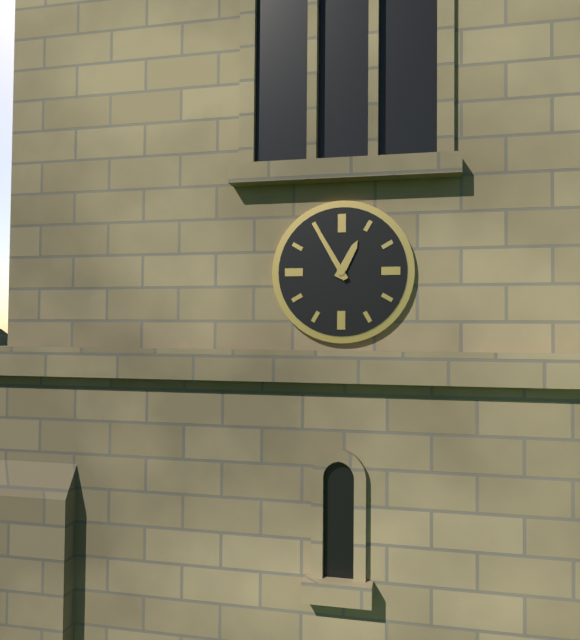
{"hour": 12, "minute": 55}
